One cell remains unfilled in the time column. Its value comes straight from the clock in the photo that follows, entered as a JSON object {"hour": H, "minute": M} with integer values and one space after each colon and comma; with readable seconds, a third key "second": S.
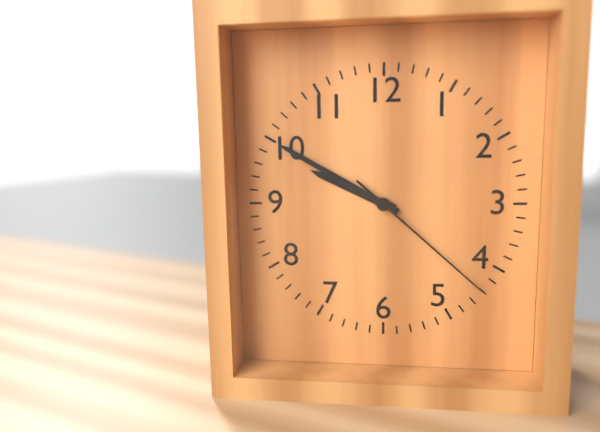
{"hour": 9, "minute": 50, "second": 22}
